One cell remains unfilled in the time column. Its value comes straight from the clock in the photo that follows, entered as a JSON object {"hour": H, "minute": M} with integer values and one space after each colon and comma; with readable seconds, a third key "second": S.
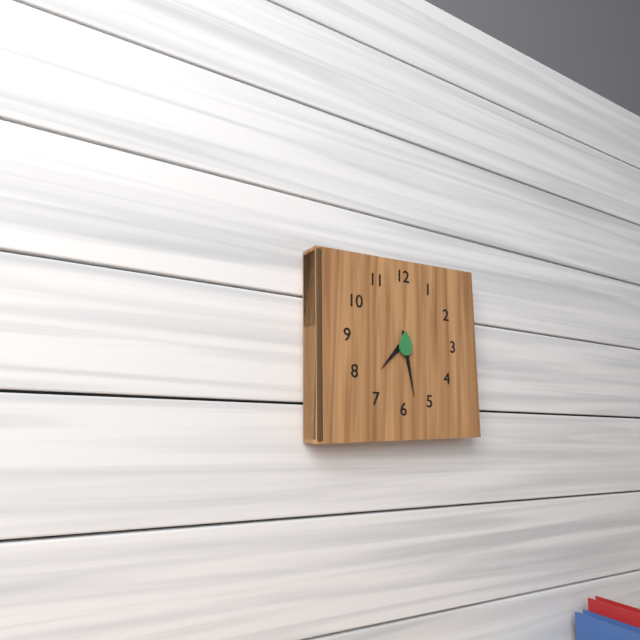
{"hour": 7, "minute": 28}
